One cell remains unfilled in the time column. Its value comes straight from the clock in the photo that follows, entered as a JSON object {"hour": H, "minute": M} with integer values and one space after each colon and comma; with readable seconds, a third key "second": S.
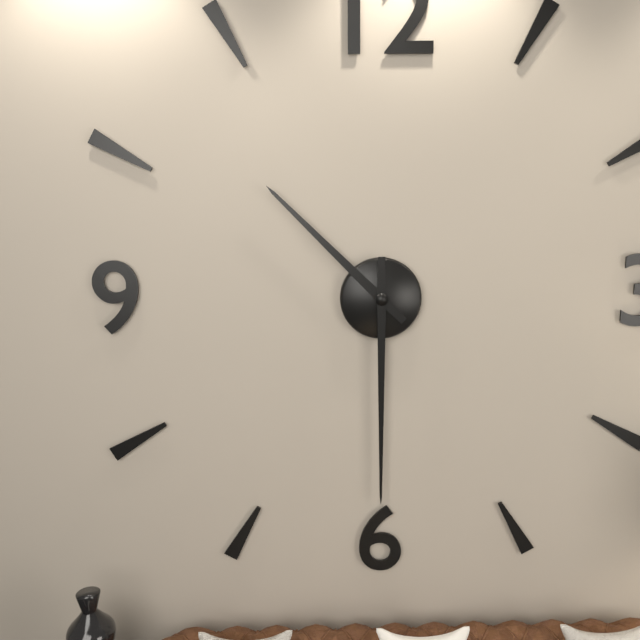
{"hour": 10, "minute": 30}
